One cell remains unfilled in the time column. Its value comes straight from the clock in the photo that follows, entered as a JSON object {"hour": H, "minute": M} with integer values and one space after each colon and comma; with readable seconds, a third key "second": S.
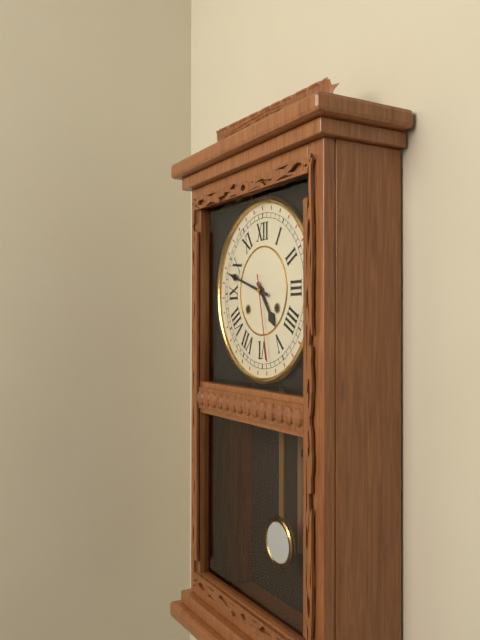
{"hour": 4, "minute": 48, "second": 28}
